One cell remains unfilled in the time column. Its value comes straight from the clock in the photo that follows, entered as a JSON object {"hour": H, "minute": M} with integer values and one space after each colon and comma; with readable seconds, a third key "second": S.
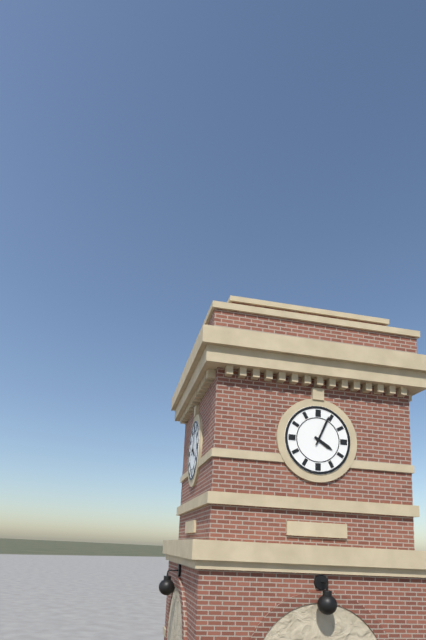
{"hour": 4, "minute": 4}
